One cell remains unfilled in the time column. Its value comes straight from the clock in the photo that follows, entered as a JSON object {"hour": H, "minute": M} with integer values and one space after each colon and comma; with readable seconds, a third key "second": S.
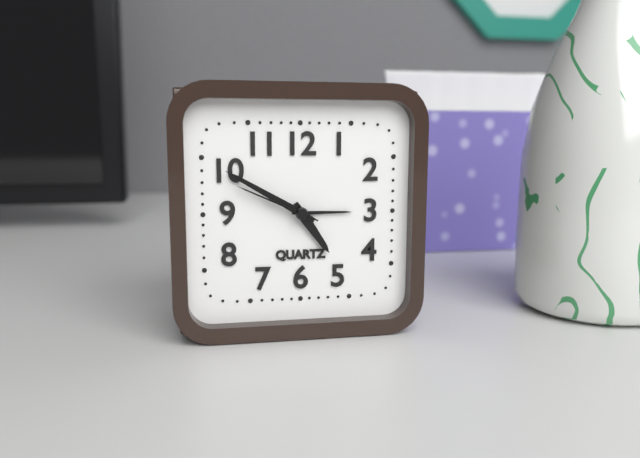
{"hour": 4, "minute": 50, "second": 49}
